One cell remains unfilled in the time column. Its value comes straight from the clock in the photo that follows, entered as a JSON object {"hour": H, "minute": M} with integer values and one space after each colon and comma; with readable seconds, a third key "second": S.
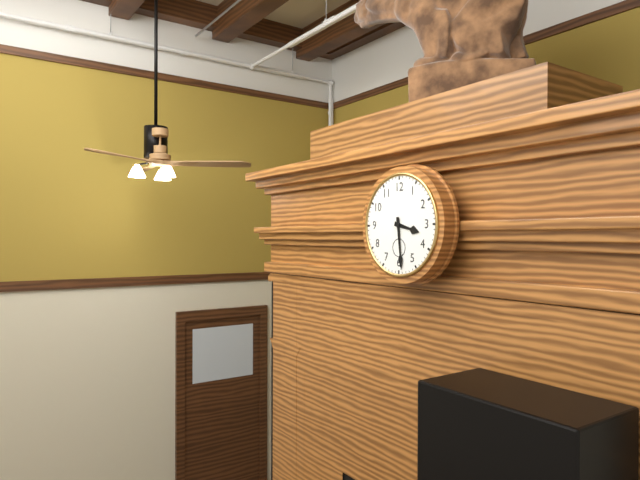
{"hour": 3, "minute": 29}
